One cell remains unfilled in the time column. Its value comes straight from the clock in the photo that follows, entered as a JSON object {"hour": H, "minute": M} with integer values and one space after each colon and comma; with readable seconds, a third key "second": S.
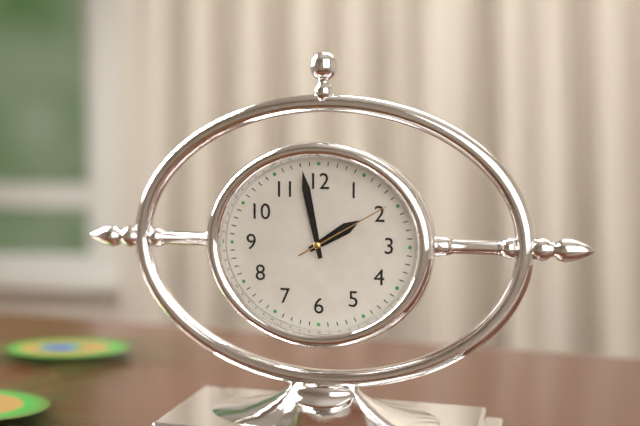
{"hour": 1, "minute": 58, "second": 10}
